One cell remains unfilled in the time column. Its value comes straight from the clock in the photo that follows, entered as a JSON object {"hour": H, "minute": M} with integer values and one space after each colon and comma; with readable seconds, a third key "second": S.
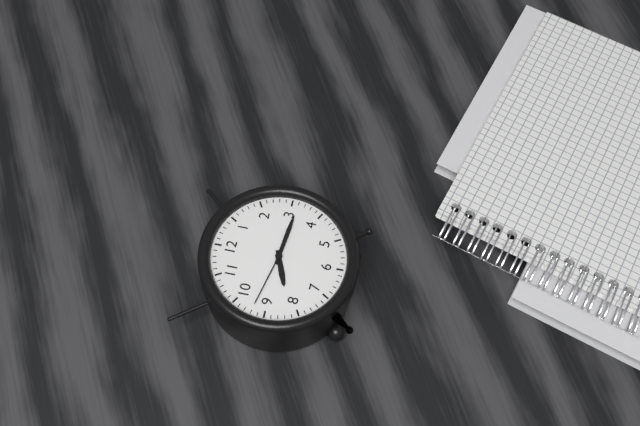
{"hour": 8, "minute": 16, "second": 47}
